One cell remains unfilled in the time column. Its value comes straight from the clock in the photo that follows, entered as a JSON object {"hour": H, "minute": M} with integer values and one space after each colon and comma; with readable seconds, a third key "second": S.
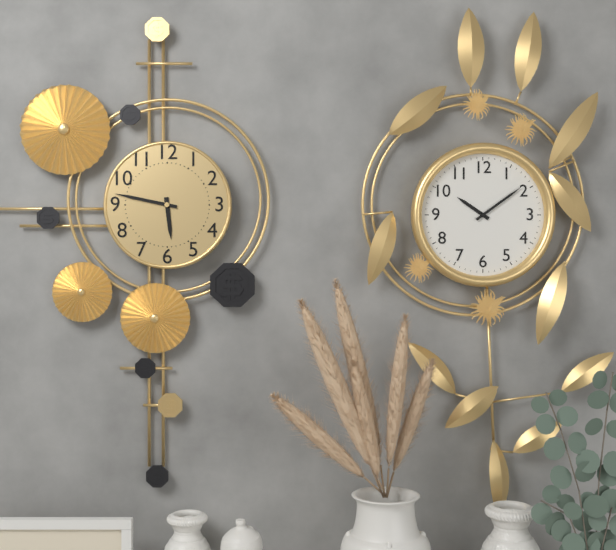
{"hour": 5, "minute": 47}
